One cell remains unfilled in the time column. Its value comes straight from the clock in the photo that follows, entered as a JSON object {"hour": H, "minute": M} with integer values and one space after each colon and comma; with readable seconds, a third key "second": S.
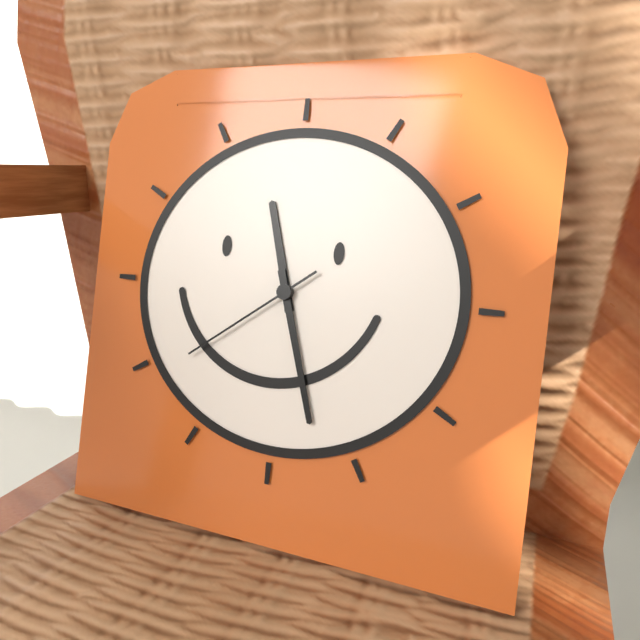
{"hour": 11, "minute": 27, "second": 39}
